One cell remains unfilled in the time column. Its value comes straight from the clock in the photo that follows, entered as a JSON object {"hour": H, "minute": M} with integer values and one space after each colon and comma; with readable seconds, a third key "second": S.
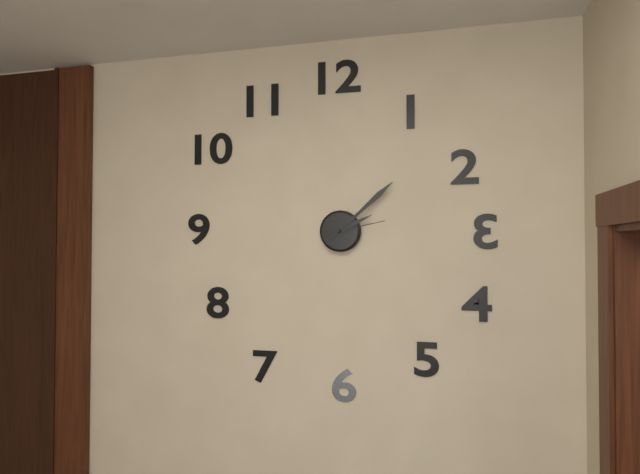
{"hour": 2, "minute": 8, "second": 13}
